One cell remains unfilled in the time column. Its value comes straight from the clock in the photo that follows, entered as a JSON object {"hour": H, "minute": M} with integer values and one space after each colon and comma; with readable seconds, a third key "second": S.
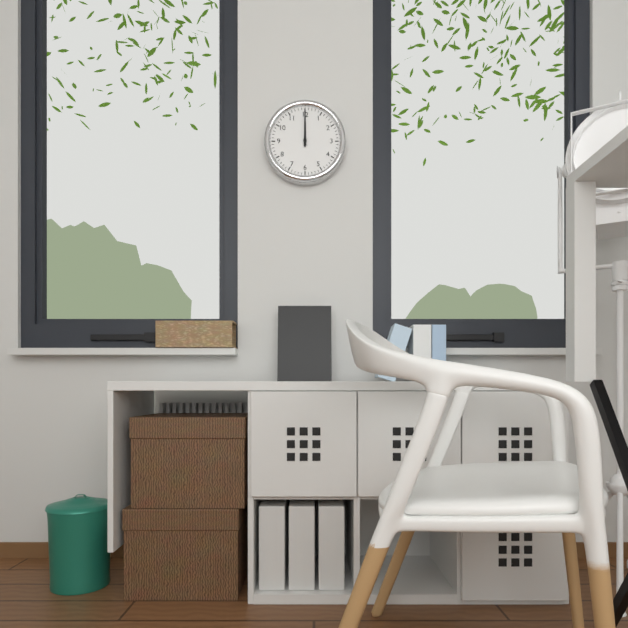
{"hour": 12, "minute": 0}
